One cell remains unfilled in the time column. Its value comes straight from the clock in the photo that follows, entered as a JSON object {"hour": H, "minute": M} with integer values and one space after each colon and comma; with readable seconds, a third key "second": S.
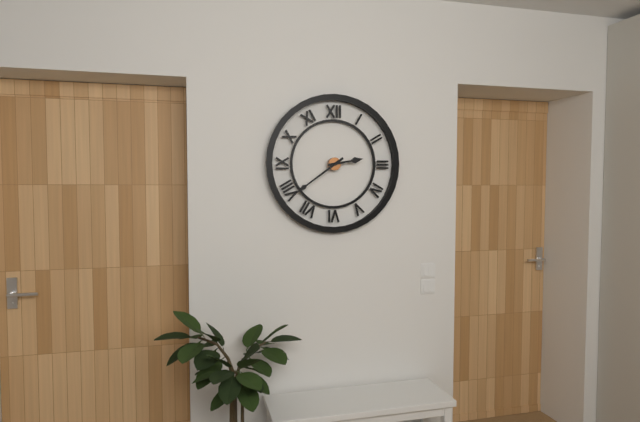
{"hour": 2, "minute": 39}
